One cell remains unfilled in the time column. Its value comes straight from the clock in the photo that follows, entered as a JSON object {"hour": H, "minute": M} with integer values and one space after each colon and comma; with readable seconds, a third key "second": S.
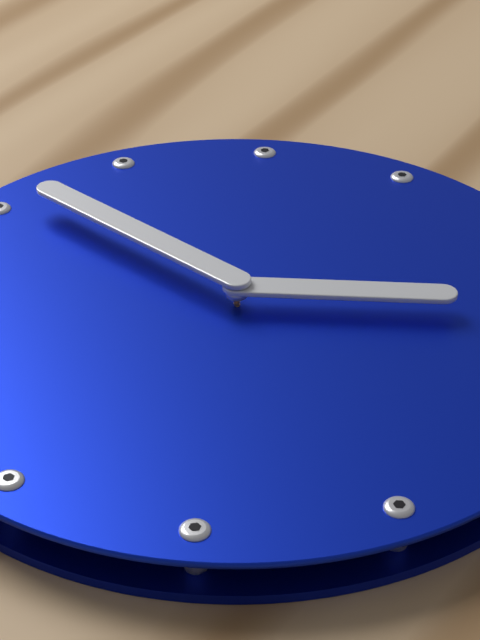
{"hour": 3, "minute": 56}
